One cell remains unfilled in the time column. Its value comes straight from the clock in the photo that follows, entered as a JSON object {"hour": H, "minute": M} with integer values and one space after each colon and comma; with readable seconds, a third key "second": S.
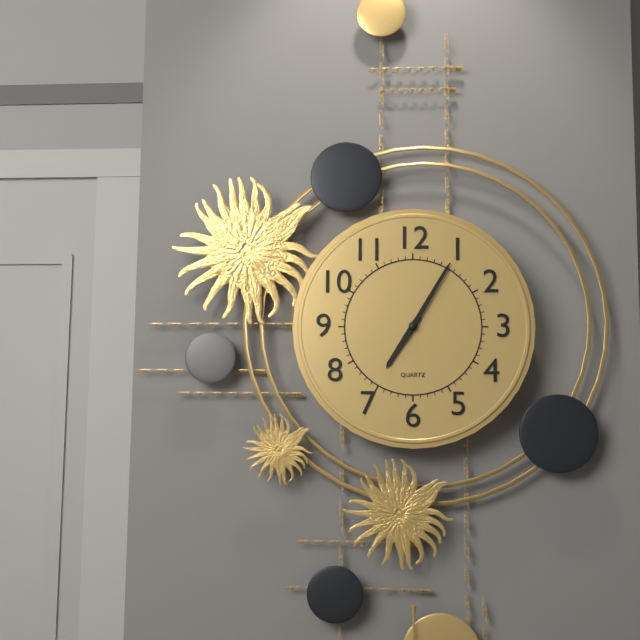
{"hour": 7, "minute": 5}
